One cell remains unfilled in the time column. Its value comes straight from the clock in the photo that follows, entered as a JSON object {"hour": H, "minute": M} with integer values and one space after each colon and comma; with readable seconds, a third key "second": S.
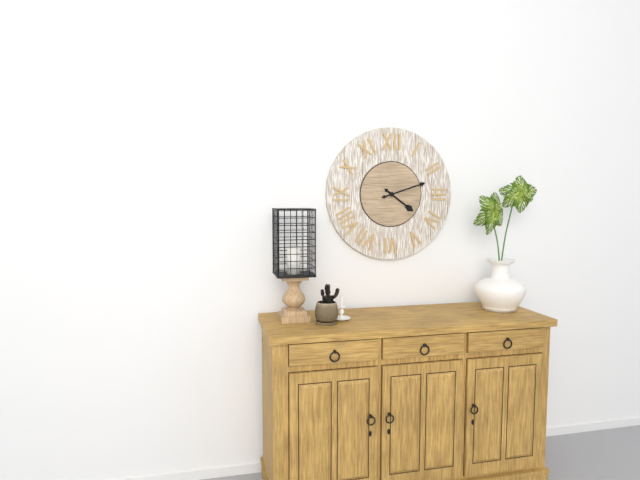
{"hour": 4, "minute": 12}
